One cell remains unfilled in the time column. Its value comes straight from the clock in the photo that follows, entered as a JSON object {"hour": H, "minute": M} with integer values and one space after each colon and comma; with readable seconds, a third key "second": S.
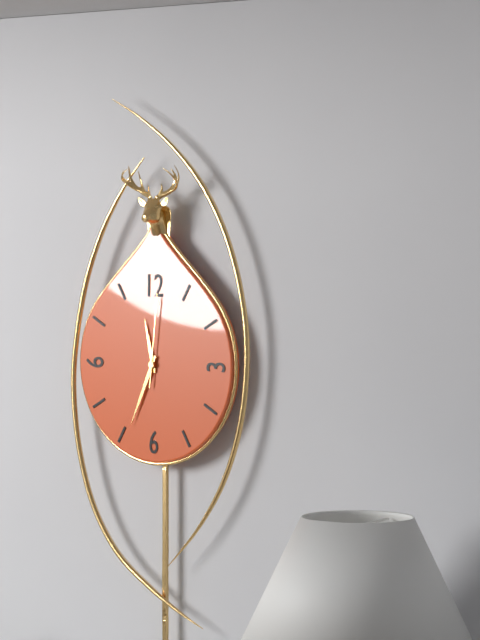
{"hour": 11, "minute": 34, "second": 1}
